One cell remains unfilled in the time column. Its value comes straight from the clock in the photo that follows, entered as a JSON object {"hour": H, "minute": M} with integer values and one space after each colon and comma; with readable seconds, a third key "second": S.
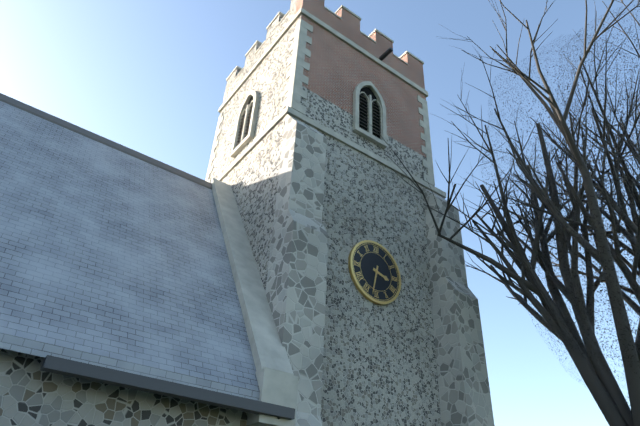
{"hour": 3, "minute": 32}
